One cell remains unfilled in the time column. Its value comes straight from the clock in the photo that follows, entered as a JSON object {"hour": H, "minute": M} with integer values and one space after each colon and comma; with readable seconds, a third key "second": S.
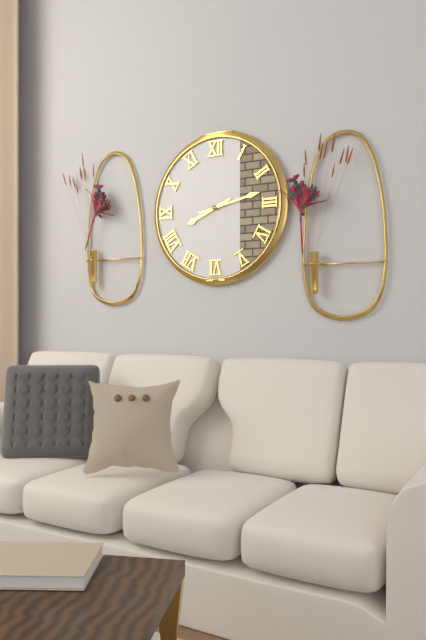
{"hour": 8, "minute": 13}
